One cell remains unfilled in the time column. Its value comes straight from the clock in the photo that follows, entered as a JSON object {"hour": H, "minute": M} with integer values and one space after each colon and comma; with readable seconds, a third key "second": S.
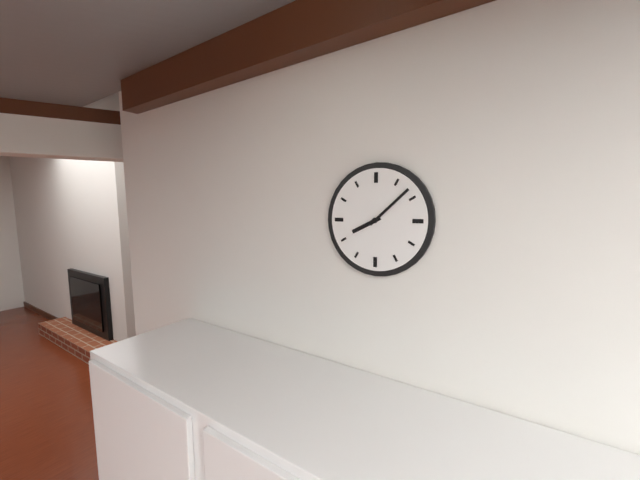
{"hour": 8, "minute": 8}
